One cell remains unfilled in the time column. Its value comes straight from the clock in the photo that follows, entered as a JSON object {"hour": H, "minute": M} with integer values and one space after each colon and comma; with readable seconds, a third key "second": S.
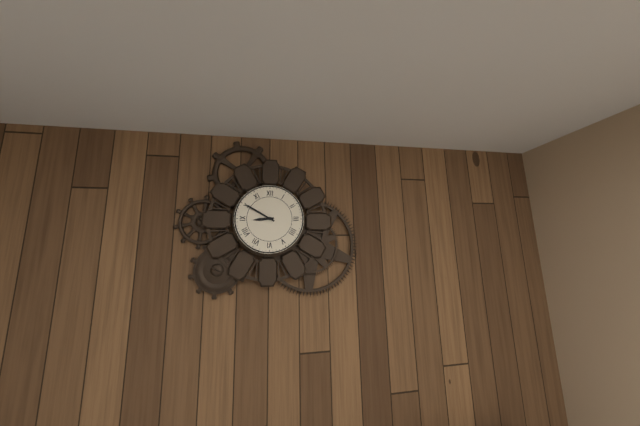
{"hour": 8, "minute": 50}
